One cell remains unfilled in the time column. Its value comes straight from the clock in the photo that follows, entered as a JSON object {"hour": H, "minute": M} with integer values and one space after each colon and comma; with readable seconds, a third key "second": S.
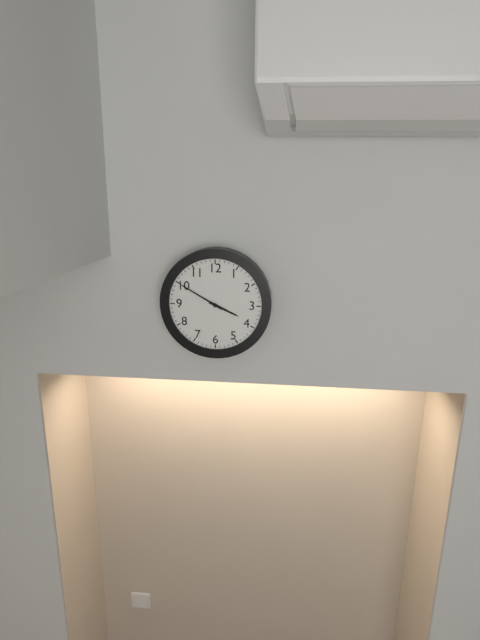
{"hour": 3, "minute": 50}
